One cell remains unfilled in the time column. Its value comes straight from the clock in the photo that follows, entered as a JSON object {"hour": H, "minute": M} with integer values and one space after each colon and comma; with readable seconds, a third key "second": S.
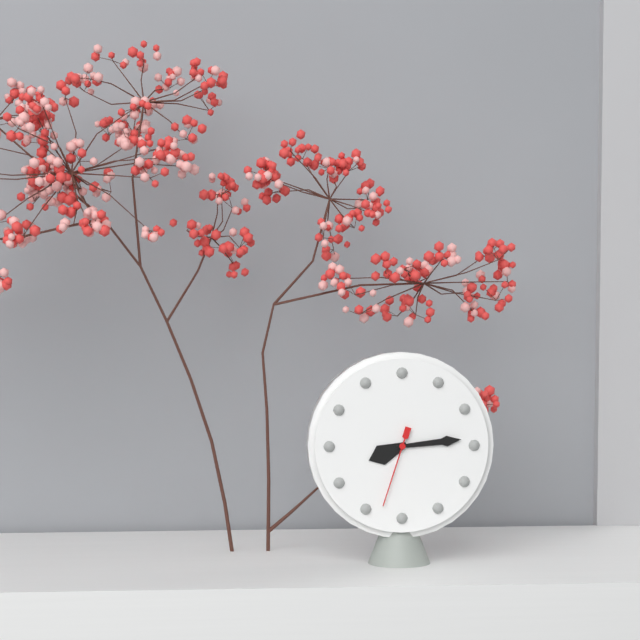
{"hour": 8, "minute": 14, "second": 33}
